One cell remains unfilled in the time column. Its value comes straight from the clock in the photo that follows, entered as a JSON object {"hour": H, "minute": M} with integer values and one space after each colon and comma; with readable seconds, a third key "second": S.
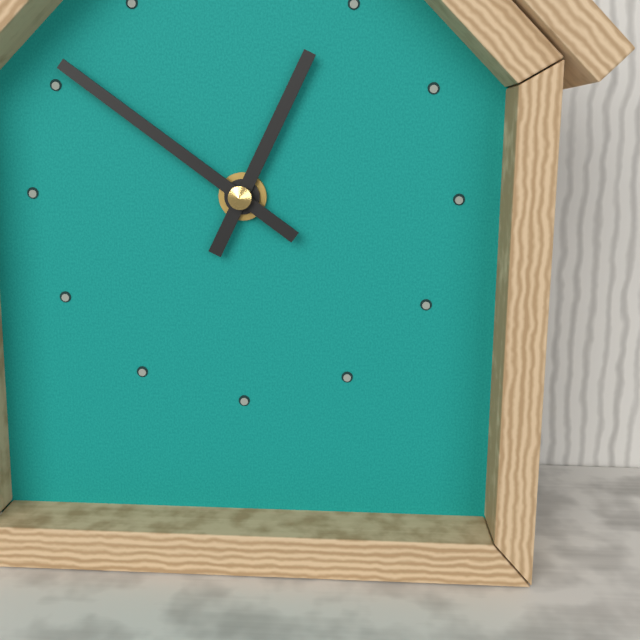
{"hour": 12, "minute": 51}
